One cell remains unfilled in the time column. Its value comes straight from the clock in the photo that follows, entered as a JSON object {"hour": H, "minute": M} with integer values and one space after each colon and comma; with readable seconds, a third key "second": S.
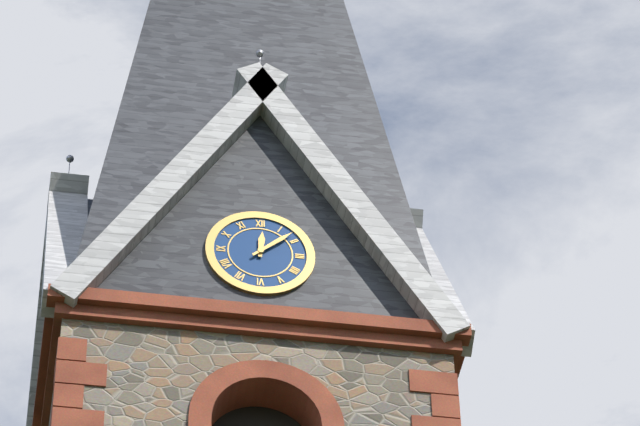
{"hour": 12, "minute": 8}
